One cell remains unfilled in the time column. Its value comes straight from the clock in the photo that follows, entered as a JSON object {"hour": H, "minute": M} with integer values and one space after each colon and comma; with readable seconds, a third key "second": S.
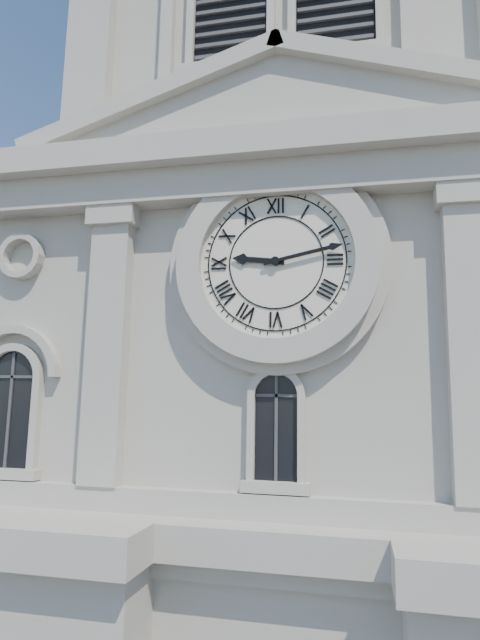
{"hour": 9, "minute": 13}
